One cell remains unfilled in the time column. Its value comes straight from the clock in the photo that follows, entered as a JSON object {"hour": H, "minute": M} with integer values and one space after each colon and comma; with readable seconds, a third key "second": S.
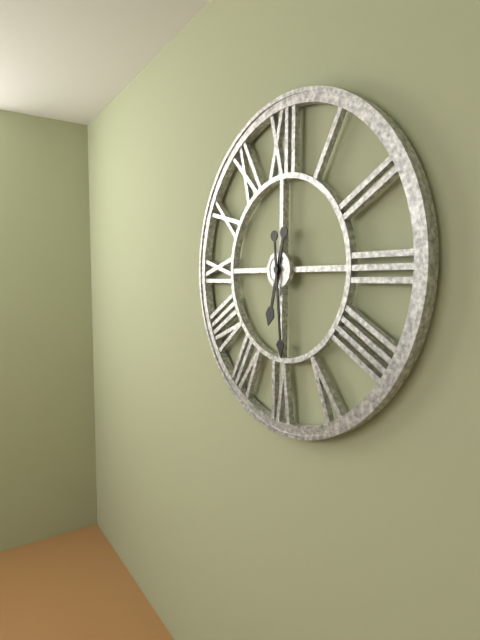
{"hour": 6, "minute": 29}
